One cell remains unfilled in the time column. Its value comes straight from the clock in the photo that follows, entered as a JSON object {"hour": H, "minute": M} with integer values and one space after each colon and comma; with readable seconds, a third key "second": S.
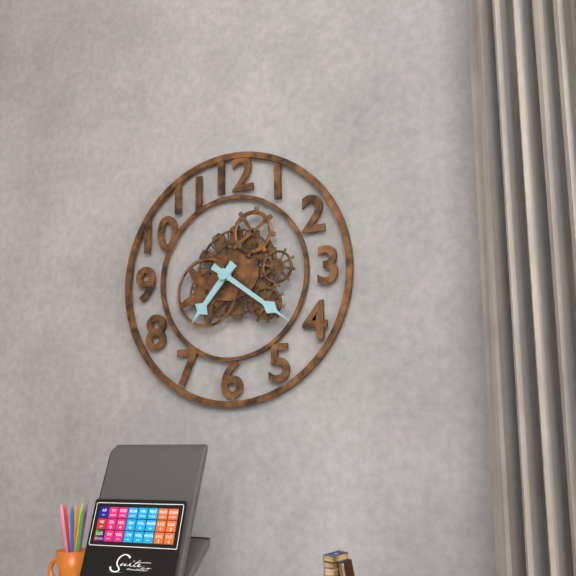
{"hour": 7, "minute": 21}
